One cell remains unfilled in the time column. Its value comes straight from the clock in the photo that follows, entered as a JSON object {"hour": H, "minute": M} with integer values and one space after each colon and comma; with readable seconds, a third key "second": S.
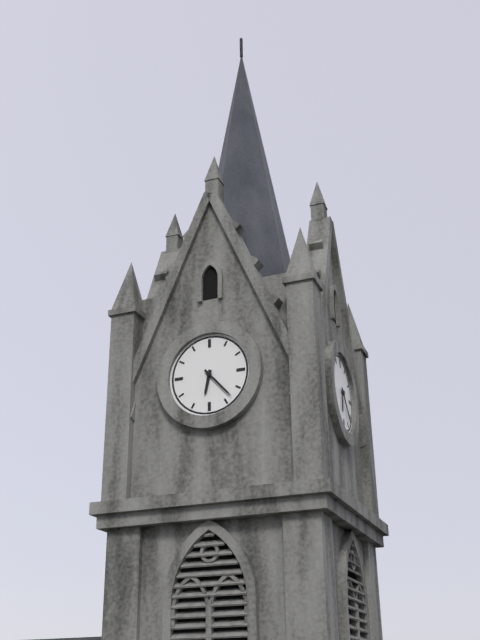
{"hour": 6, "minute": 23}
